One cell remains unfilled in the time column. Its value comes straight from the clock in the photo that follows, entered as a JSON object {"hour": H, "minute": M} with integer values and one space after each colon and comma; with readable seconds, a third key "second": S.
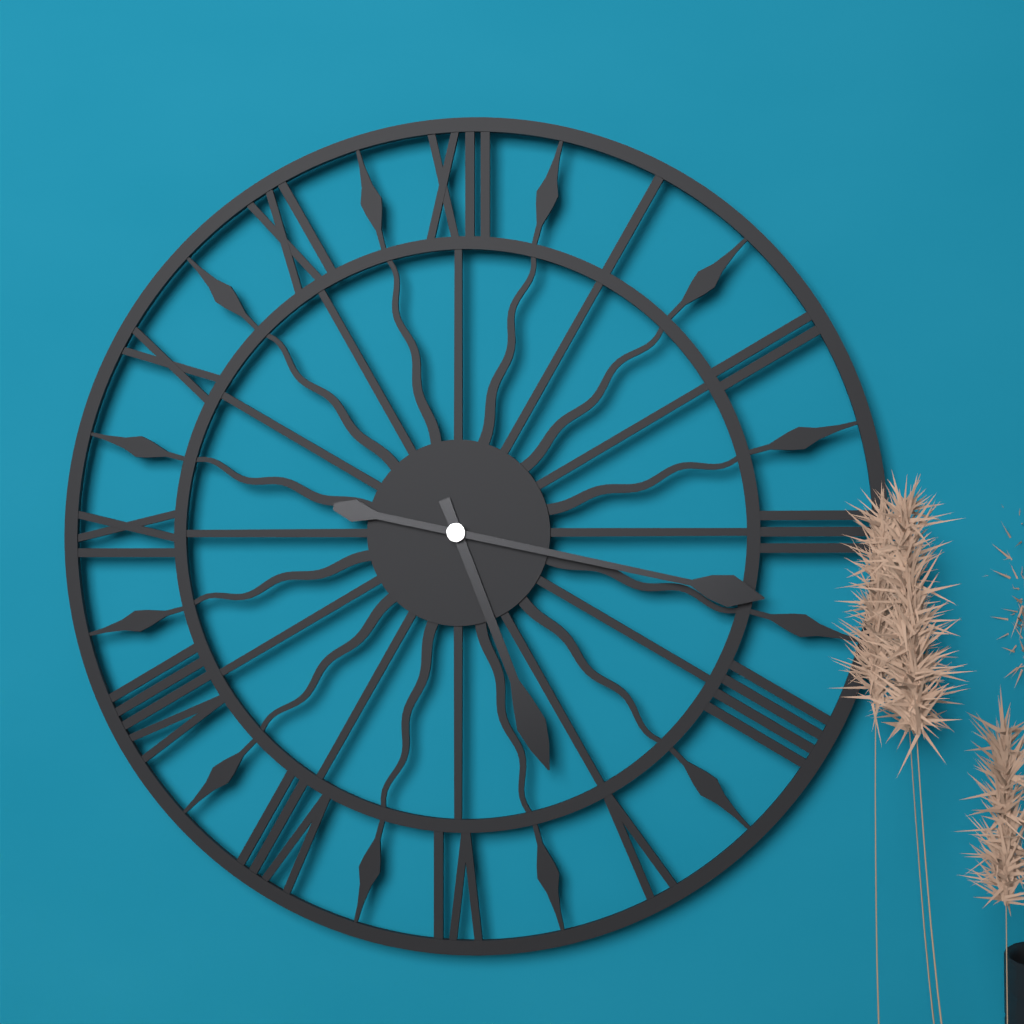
{"hour": 5, "minute": 17}
